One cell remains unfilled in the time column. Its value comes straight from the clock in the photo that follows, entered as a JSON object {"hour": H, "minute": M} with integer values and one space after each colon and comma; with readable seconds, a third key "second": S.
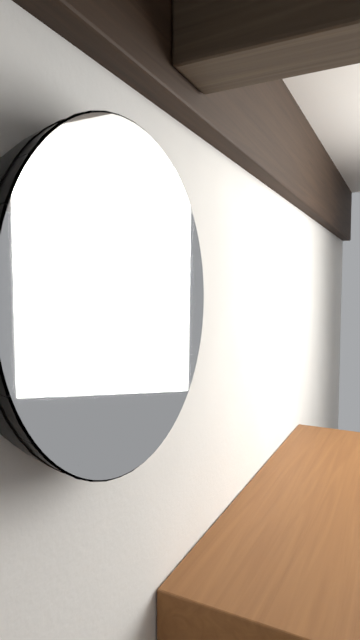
{"hour": 6, "minute": 39}
